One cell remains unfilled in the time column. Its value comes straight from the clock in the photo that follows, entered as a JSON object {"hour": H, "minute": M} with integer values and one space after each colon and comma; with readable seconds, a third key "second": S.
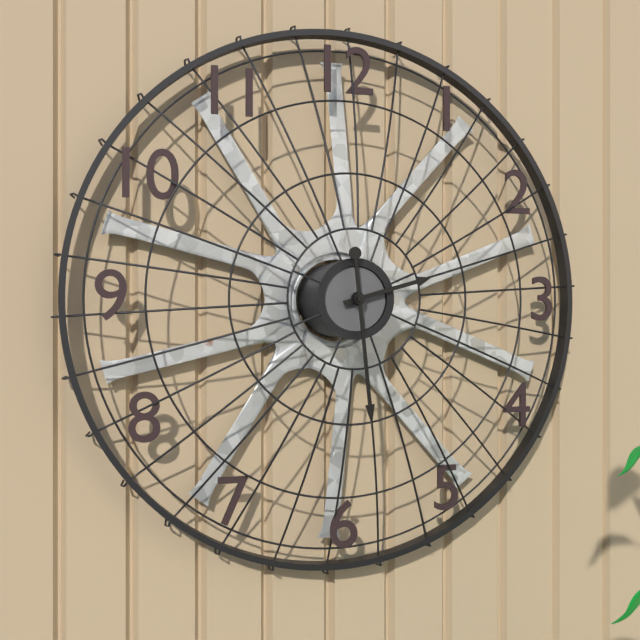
{"hour": 2, "minute": 29}
